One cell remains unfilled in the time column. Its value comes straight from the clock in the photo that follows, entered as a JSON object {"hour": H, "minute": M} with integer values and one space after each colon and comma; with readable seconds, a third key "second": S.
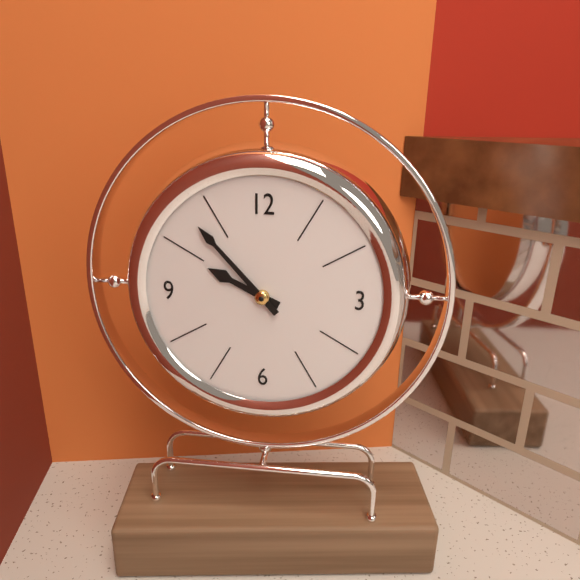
{"hour": 9, "minute": 53}
